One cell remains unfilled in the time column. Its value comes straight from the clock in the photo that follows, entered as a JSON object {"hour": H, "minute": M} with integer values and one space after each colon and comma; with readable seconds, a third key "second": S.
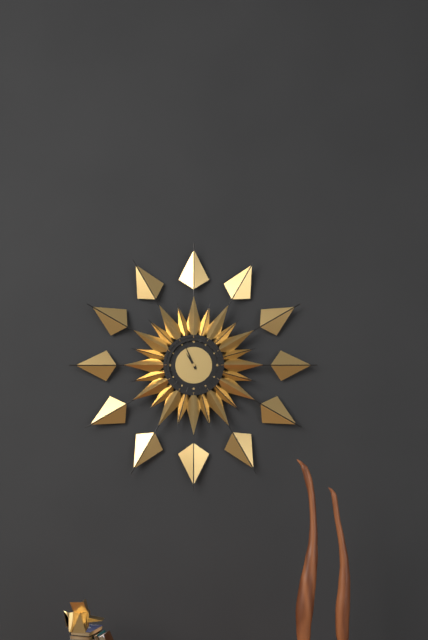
{"hour": 10, "minute": 56}
